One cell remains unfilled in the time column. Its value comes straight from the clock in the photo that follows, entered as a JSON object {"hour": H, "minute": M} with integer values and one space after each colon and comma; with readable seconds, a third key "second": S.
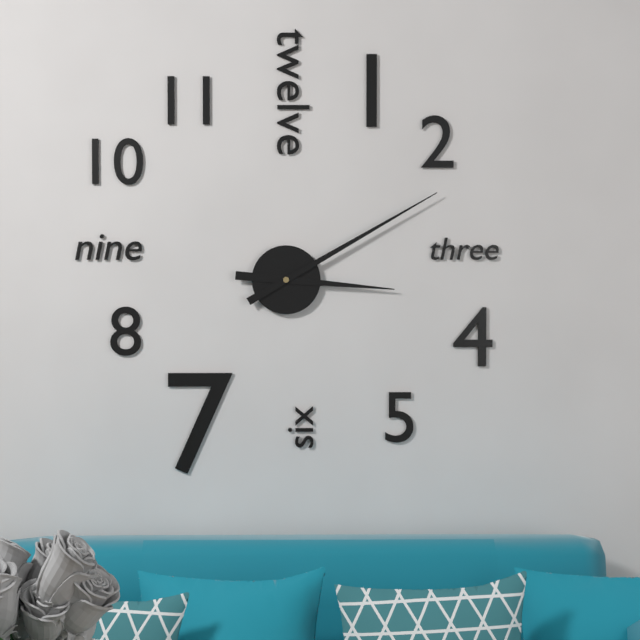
{"hour": 3, "minute": 10}
